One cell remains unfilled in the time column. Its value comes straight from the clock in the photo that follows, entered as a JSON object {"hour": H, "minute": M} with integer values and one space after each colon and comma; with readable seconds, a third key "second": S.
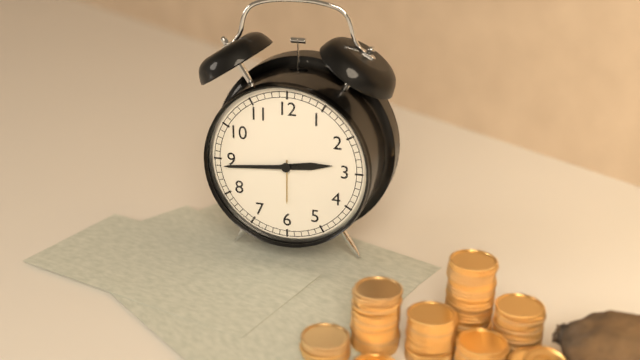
{"hour": 2, "minute": 44}
